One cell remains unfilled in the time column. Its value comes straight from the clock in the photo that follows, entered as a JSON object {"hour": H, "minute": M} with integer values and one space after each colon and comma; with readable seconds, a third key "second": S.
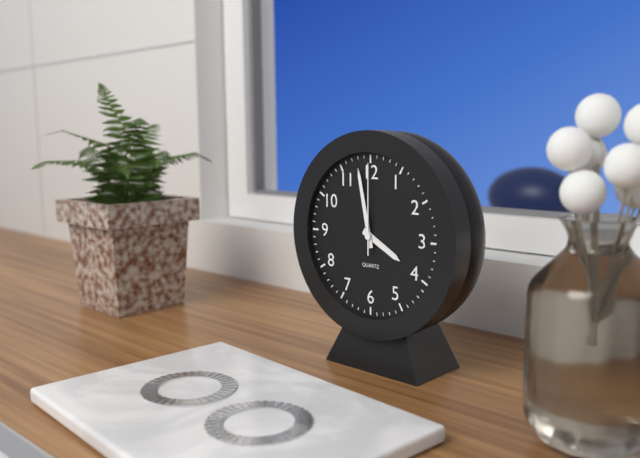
{"hour": 3, "minute": 58, "second": 0}
